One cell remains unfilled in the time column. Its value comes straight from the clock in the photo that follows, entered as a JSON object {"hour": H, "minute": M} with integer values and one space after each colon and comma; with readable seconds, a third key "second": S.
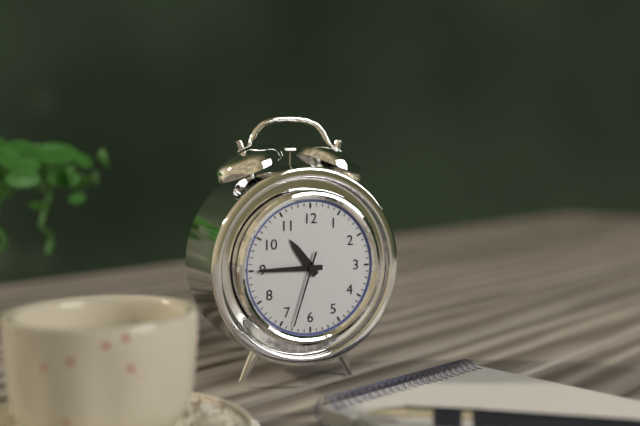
{"hour": 10, "minute": 45, "second": 33}
